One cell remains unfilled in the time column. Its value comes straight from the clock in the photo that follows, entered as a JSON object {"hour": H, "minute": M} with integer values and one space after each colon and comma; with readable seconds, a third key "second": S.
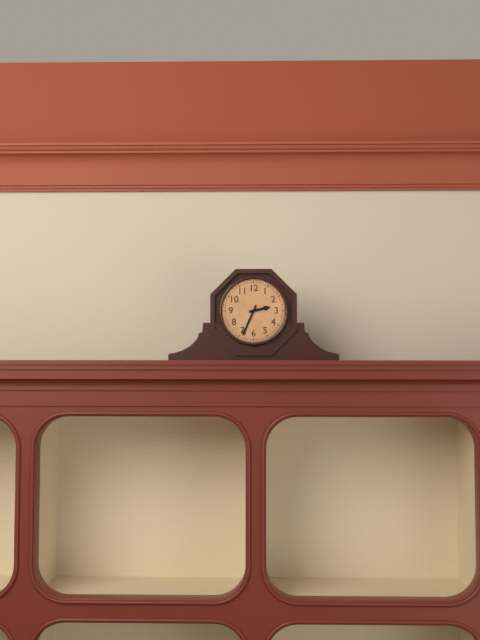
{"hour": 2, "minute": 34}
